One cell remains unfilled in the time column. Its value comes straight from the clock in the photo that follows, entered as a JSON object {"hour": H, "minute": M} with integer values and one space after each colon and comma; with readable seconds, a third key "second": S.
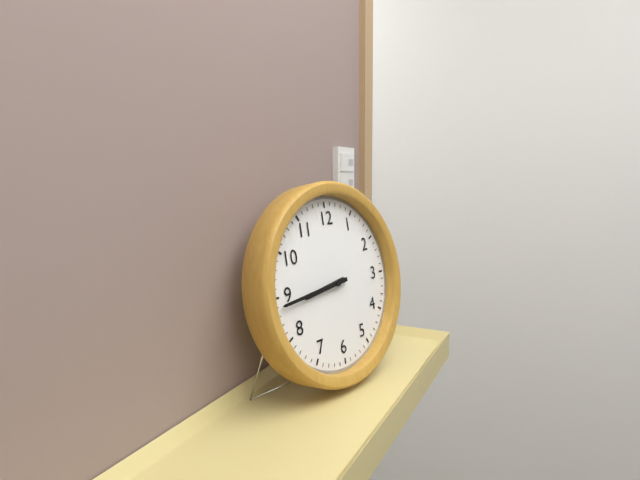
{"hour": 8, "minute": 44}
